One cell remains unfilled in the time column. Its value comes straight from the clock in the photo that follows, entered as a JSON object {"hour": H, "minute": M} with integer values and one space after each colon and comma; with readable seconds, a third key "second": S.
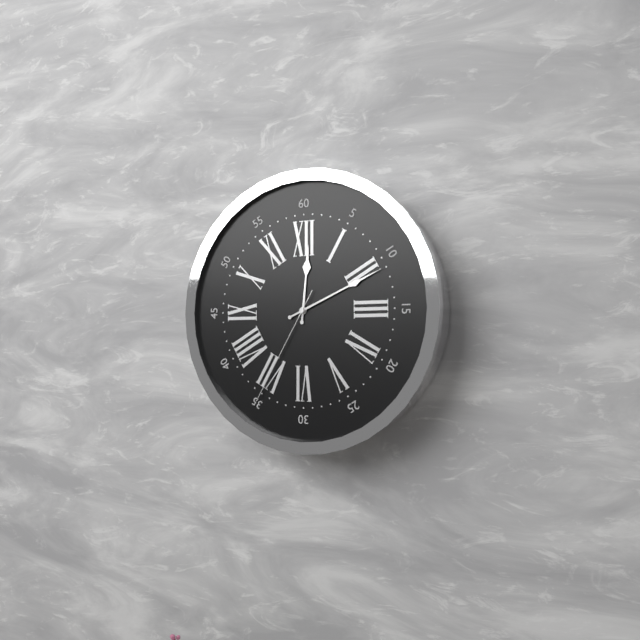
{"hour": 12, "minute": 11, "second": 35}
